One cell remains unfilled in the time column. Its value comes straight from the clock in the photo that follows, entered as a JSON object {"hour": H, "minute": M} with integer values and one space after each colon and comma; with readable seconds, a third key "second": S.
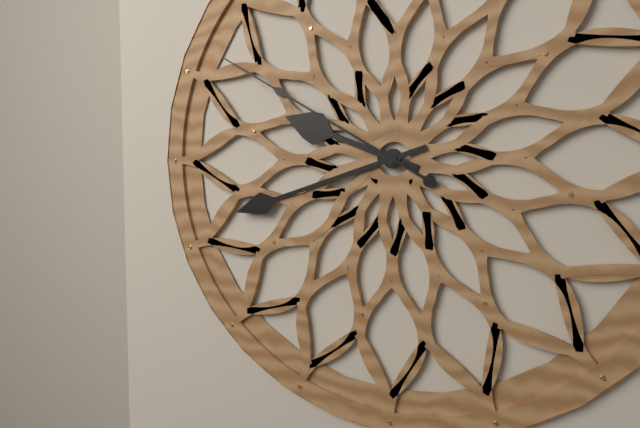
{"hour": 9, "minute": 42, "second": 50}
